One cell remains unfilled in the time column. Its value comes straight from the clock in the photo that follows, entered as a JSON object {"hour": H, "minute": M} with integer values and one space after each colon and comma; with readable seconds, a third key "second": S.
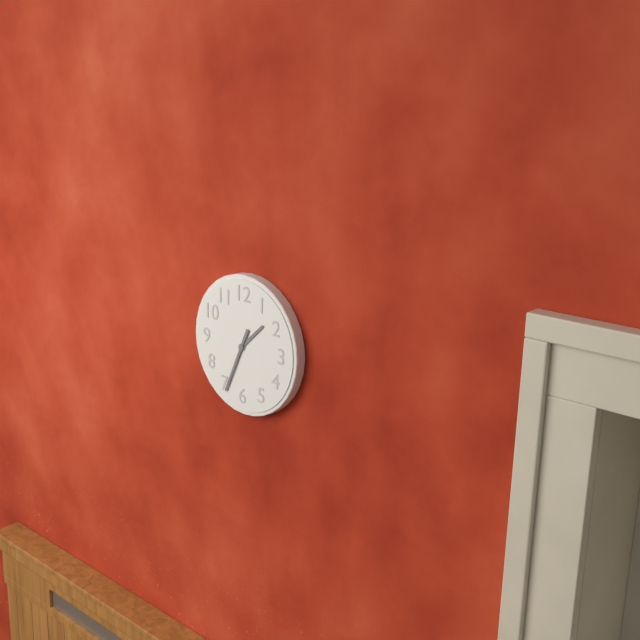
{"hour": 1, "minute": 34}
